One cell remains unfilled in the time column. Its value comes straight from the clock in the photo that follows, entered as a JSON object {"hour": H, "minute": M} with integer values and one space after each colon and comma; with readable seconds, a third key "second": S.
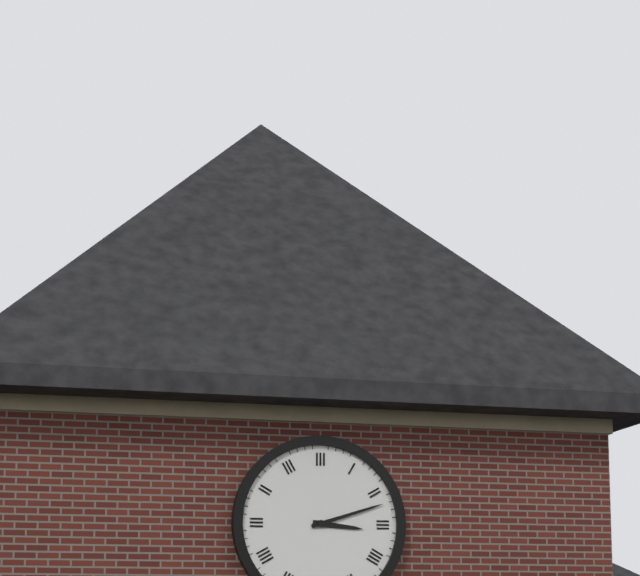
{"hour": 3, "minute": 12}
